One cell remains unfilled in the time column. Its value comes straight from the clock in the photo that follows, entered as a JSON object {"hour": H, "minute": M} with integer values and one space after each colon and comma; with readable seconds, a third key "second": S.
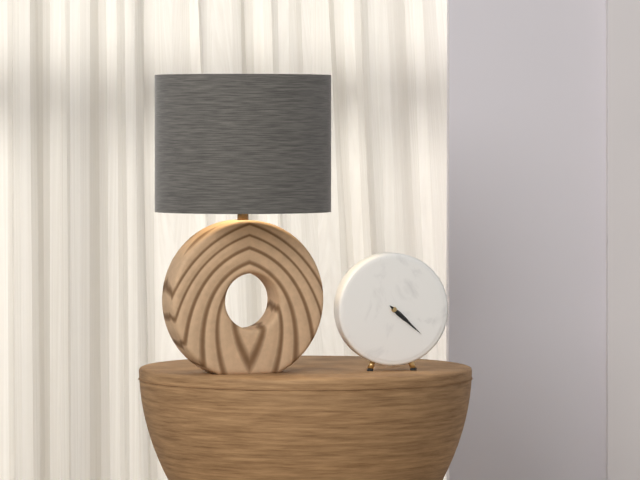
{"hour": 4, "minute": 22}
